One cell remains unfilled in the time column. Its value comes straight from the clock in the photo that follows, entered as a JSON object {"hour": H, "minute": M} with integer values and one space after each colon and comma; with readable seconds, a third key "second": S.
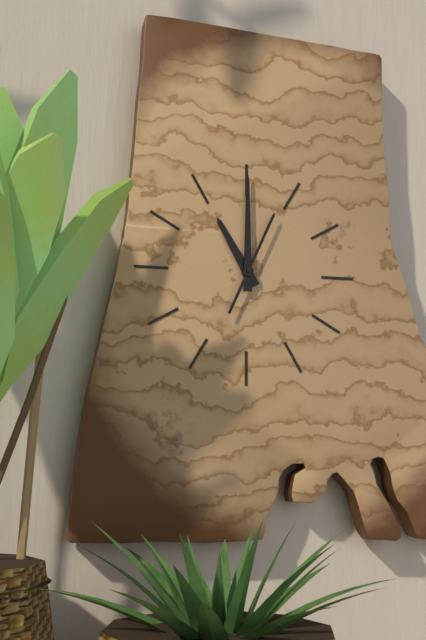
{"hour": 11, "minute": 0, "second": 4}
